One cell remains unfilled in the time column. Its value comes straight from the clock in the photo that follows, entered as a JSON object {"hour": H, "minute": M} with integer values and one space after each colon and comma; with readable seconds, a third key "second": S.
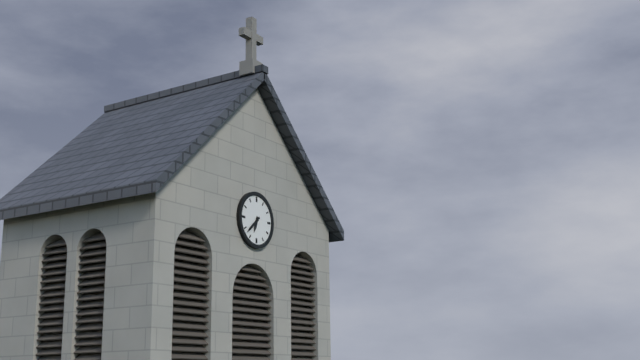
{"hour": 6, "minute": 38}
